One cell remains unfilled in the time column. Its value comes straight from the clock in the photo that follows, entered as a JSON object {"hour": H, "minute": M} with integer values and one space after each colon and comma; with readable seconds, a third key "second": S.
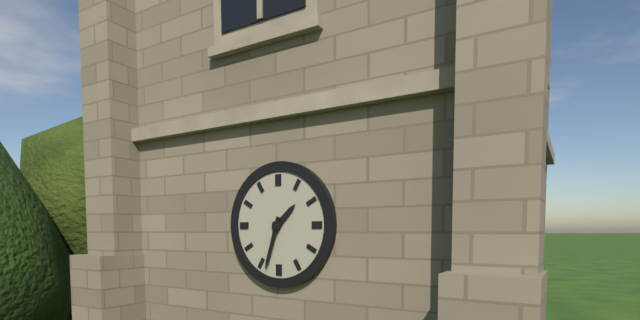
{"hour": 1, "minute": 33}
